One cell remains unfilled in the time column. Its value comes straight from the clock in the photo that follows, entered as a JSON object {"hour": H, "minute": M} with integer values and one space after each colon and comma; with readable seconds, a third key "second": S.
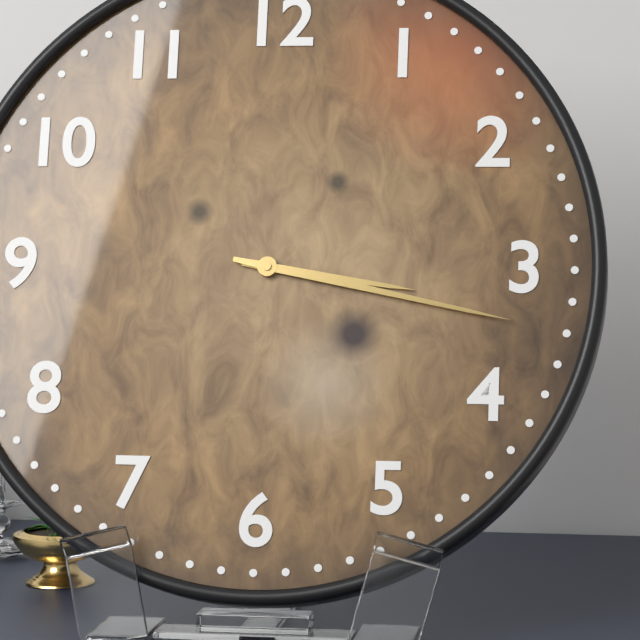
{"hour": 3, "minute": 17}
